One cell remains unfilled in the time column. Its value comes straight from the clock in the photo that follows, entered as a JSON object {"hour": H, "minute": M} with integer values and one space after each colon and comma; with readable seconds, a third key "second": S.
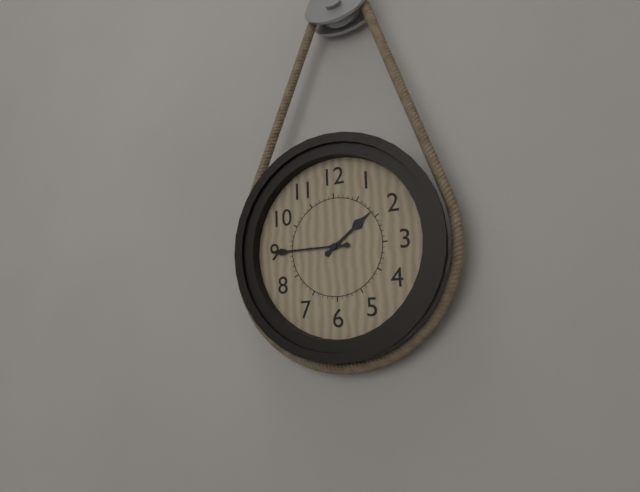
{"hour": 1, "minute": 45}
